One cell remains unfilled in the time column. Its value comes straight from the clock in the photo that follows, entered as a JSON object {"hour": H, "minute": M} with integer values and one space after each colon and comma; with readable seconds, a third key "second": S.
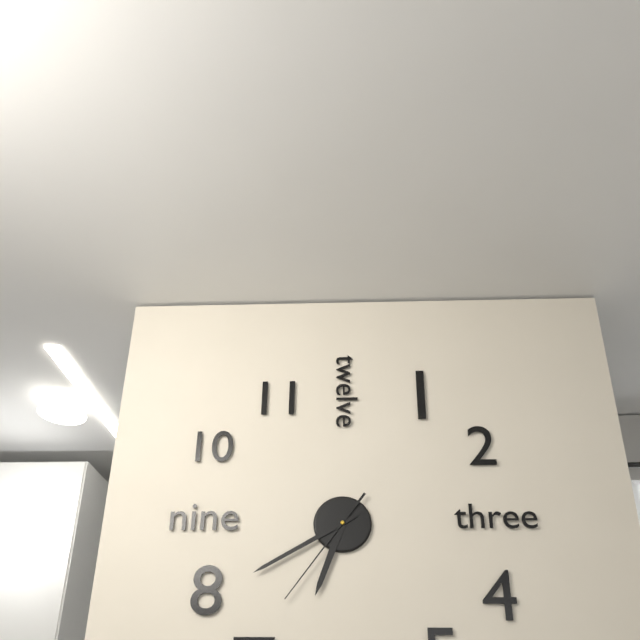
{"hour": 6, "minute": 40, "second": 36}
